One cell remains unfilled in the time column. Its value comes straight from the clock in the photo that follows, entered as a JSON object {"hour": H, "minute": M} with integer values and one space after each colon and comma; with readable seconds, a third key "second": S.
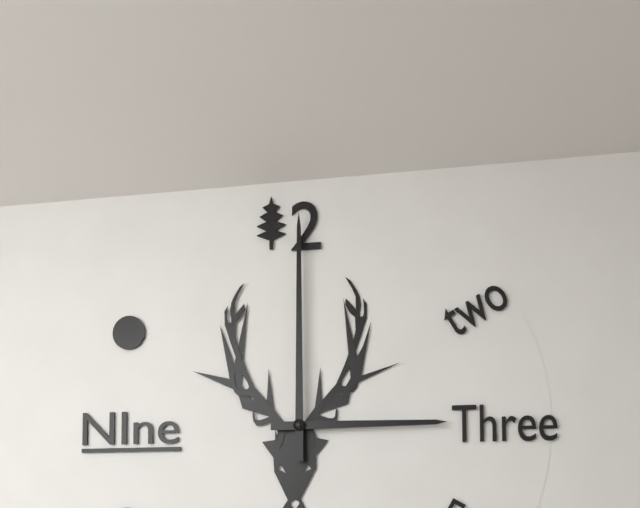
{"hour": 3, "minute": 0}
